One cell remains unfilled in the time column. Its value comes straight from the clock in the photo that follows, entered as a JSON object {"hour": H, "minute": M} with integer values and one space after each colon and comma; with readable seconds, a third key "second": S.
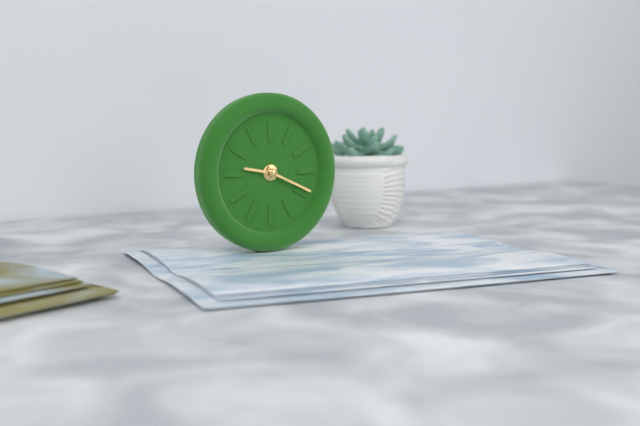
{"hour": 9, "minute": 19}
